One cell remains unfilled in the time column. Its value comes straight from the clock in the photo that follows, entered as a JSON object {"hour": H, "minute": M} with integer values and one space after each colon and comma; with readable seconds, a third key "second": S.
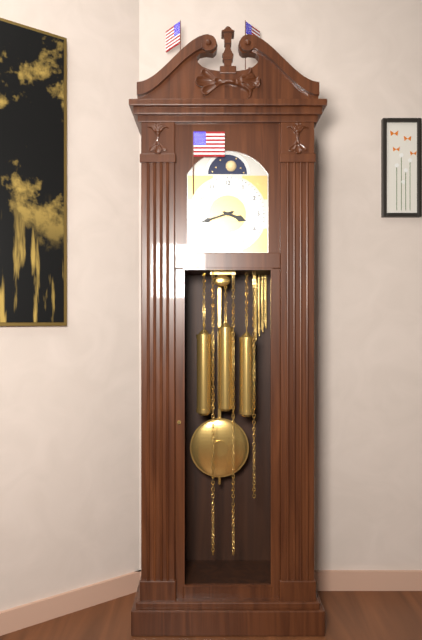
{"hour": 3, "minute": 42}
